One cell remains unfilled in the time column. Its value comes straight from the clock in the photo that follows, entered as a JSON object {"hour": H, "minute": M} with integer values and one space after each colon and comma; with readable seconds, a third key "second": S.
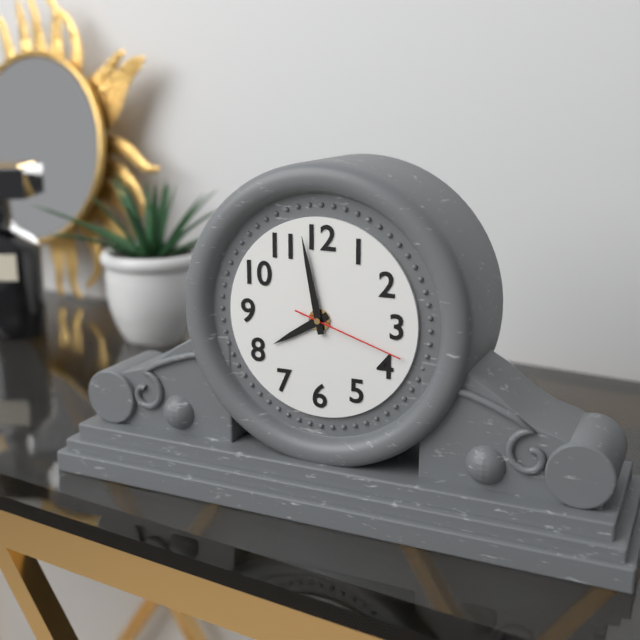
{"hour": 7, "minute": 58, "second": 18}
